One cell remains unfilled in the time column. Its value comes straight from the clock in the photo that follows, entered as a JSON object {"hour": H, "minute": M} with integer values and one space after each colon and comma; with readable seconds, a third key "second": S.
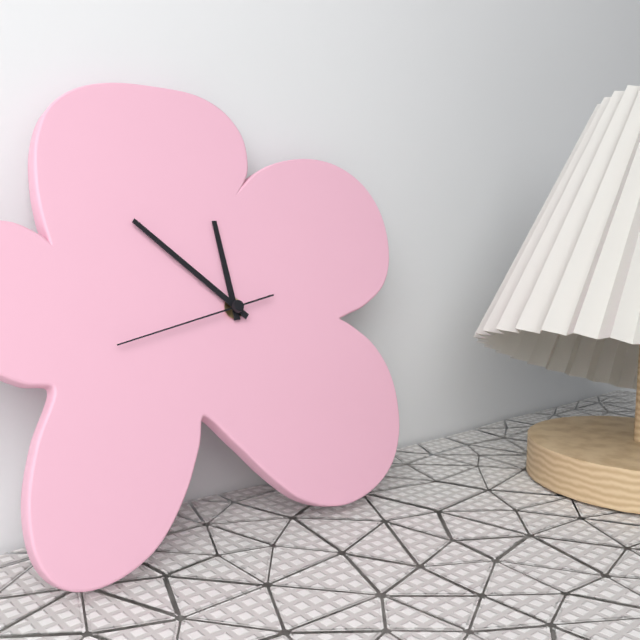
{"hour": 11, "minute": 52, "second": 43}
